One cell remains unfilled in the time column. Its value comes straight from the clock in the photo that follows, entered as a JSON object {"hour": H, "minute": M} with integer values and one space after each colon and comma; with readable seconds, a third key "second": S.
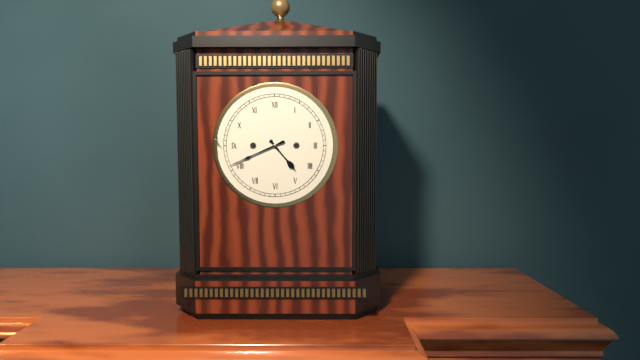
{"hour": 4, "minute": 41}
